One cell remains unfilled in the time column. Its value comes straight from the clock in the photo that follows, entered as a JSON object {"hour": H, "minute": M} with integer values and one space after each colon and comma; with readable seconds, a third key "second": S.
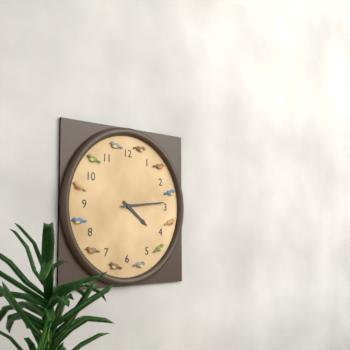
{"hour": 4, "minute": 14}
